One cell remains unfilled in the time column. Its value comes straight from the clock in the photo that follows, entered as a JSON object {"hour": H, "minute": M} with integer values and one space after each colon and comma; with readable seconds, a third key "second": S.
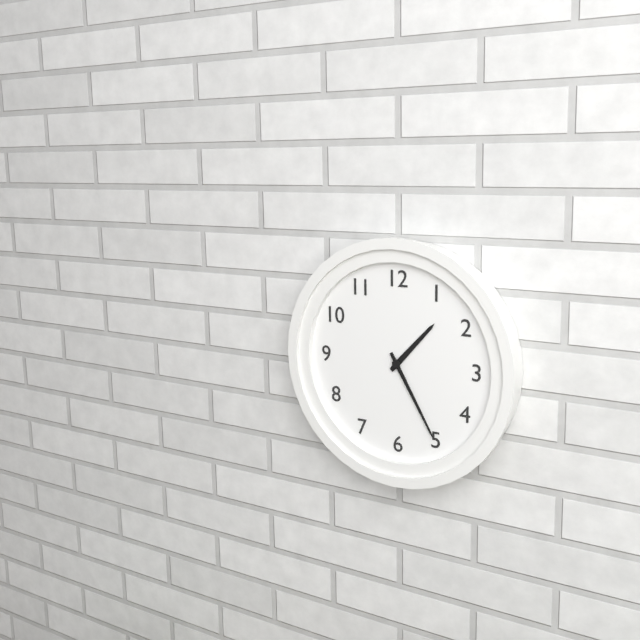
{"hour": 1, "minute": 25}
